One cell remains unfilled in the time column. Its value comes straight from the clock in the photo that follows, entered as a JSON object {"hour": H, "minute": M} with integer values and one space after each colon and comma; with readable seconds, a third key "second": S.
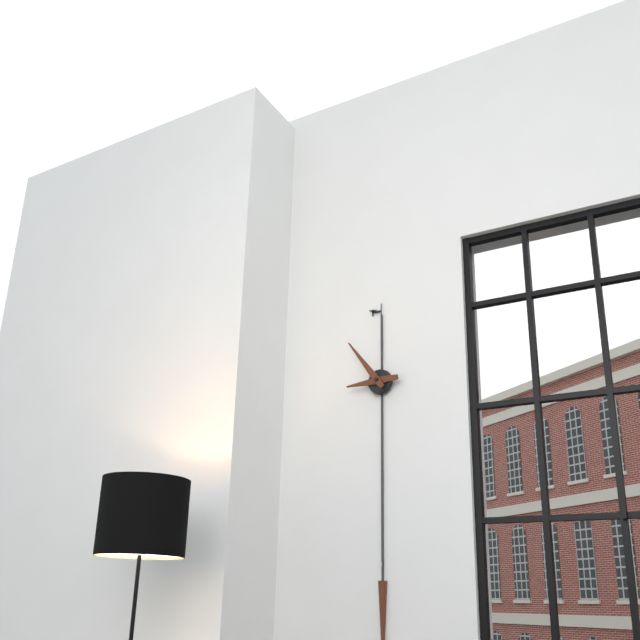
{"hour": 8, "minute": 54}
